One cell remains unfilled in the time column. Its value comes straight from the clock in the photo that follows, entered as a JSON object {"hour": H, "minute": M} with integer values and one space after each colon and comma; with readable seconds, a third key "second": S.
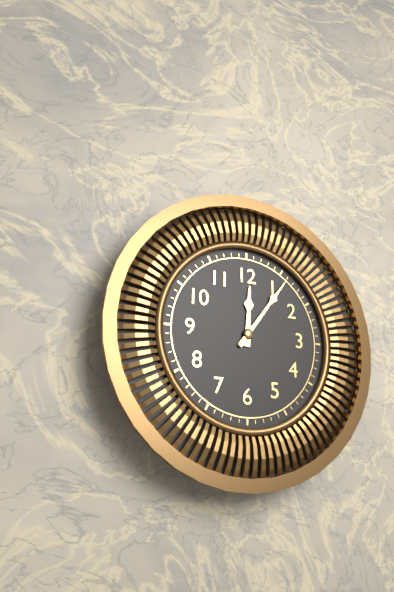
{"hour": 12, "minute": 6}
